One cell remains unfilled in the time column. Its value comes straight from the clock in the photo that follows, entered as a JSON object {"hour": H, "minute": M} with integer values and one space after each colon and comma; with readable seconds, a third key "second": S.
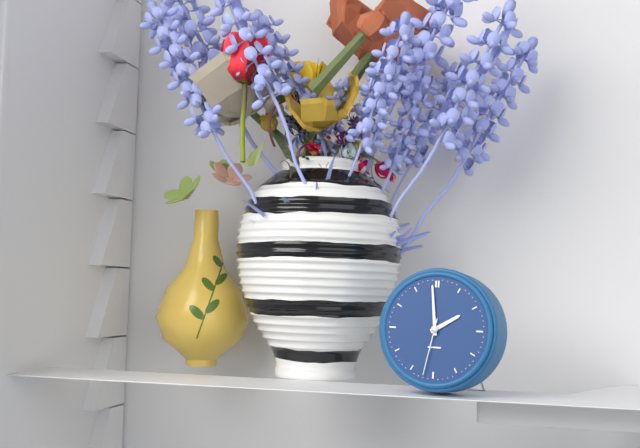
{"hour": 1, "minute": 59, "second": 32}
